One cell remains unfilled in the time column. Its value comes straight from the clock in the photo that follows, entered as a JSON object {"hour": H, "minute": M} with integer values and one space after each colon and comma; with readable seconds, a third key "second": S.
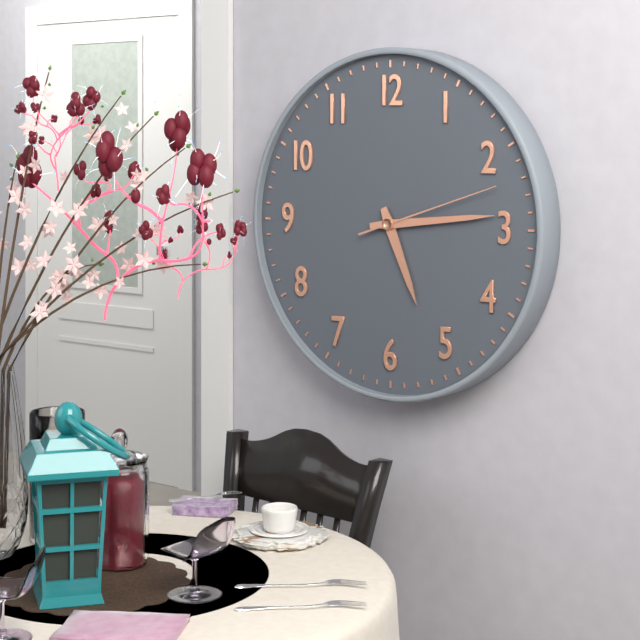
{"hour": 5, "minute": 14, "second": 12}
